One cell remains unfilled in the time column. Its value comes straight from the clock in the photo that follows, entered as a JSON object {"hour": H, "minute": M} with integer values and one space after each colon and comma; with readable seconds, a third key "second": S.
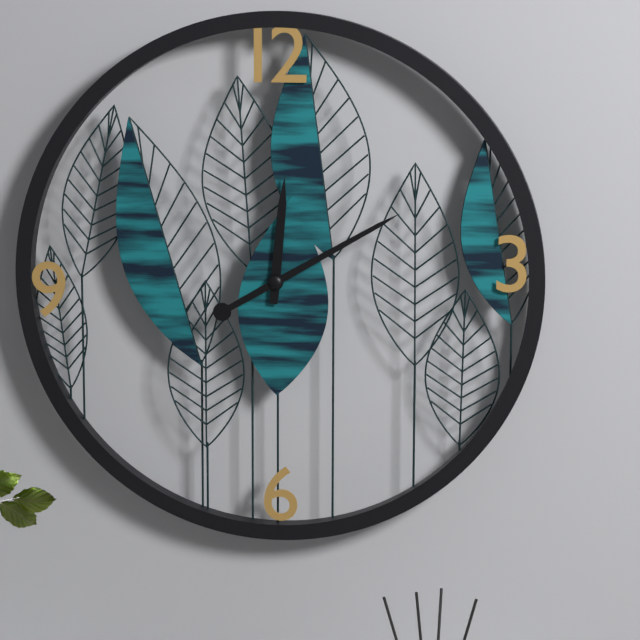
{"hour": 12, "minute": 10}
